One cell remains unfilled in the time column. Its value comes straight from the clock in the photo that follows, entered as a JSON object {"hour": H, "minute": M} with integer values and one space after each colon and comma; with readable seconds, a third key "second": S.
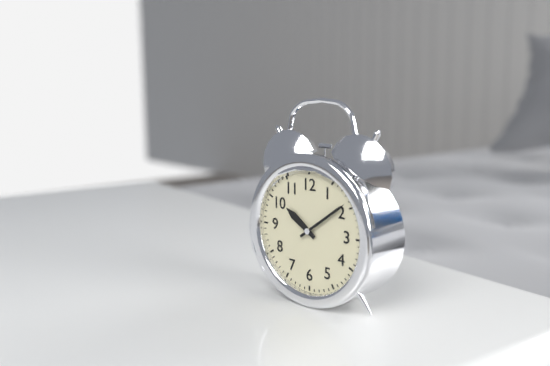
{"hour": 10, "minute": 9}
